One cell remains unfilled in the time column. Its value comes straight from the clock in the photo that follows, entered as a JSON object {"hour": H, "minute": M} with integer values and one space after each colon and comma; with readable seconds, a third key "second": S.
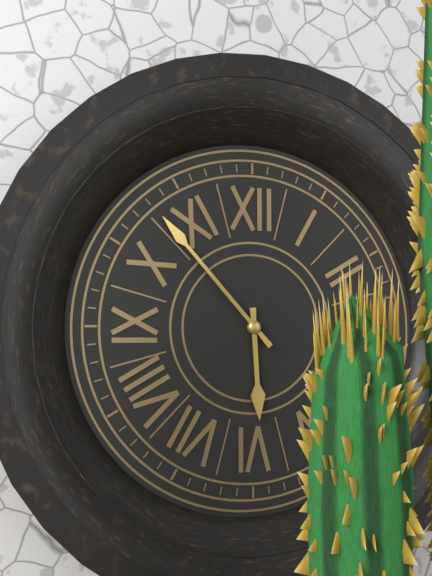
{"hour": 5, "minute": 53}
